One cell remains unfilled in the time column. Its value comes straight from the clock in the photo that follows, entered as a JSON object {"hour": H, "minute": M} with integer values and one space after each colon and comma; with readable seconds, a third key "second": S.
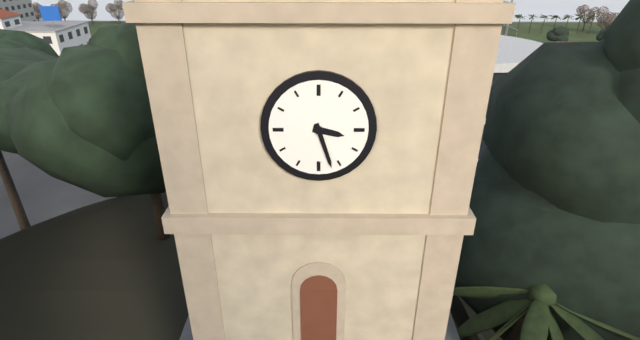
{"hour": 3, "minute": 27}
